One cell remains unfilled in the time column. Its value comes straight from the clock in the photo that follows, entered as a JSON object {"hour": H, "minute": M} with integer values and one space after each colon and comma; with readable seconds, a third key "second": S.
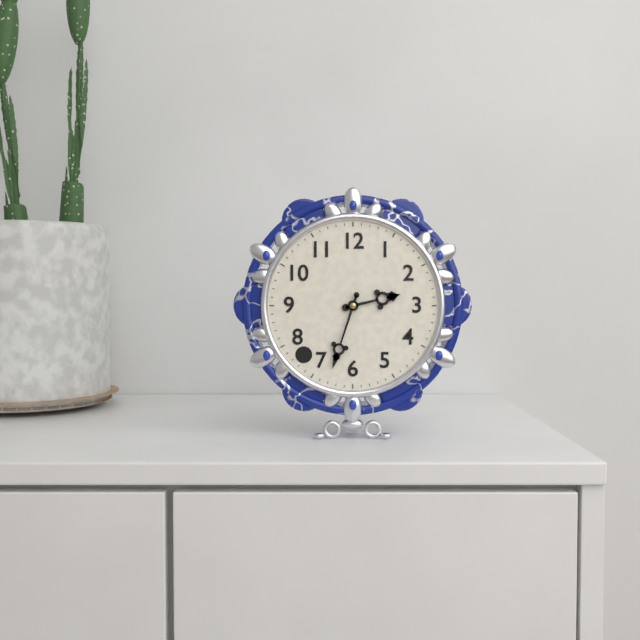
{"hour": 2, "minute": 33}
